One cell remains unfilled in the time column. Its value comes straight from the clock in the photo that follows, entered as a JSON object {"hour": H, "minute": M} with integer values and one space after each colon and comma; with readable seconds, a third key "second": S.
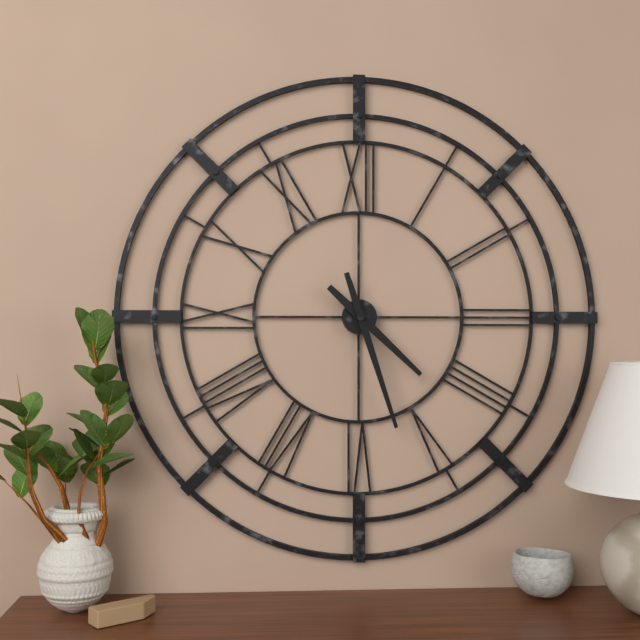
{"hour": 4, "minute": 27}
